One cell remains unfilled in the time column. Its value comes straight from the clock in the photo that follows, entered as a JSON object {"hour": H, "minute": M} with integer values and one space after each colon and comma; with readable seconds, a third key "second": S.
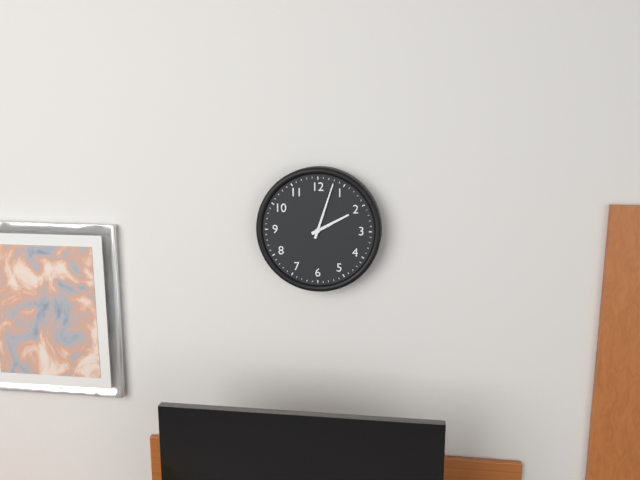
{"hour": 2, "minute": 3}
